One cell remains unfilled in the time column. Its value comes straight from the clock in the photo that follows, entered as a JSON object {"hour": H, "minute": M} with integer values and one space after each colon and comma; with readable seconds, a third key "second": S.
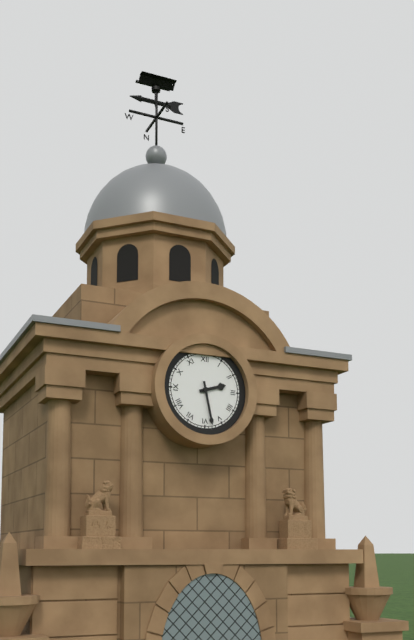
{"hour": 2, "minute": 28}
